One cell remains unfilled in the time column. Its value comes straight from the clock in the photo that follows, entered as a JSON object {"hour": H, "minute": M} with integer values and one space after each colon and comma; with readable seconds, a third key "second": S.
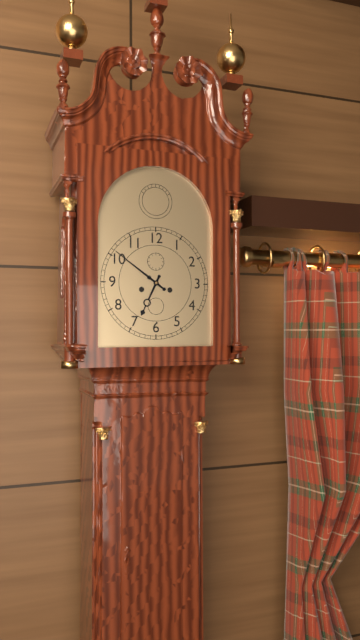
{"hour": 6, "minute": 51}
